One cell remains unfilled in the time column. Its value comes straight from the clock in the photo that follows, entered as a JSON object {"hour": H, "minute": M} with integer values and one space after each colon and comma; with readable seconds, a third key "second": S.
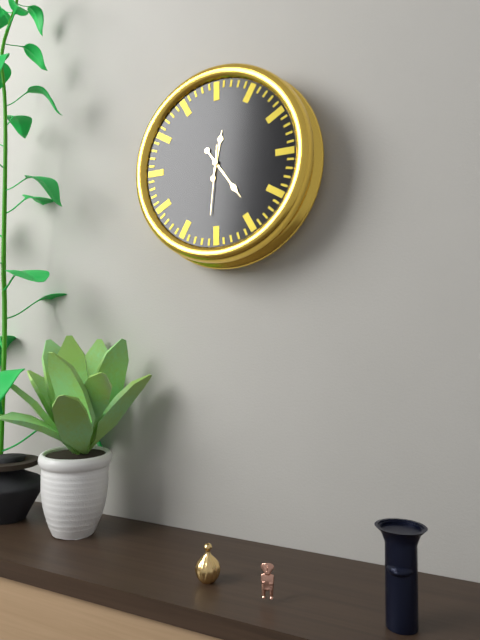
{"hour": 12, "minute": 24, "second": 31}
